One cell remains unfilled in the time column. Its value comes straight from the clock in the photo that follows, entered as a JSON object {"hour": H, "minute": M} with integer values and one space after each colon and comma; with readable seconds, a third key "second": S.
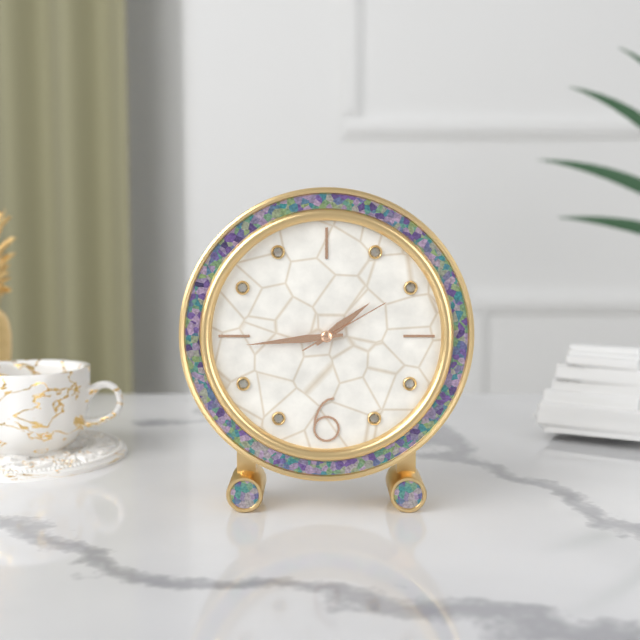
{"hour": 1, "minute": 44, "second": 10}
